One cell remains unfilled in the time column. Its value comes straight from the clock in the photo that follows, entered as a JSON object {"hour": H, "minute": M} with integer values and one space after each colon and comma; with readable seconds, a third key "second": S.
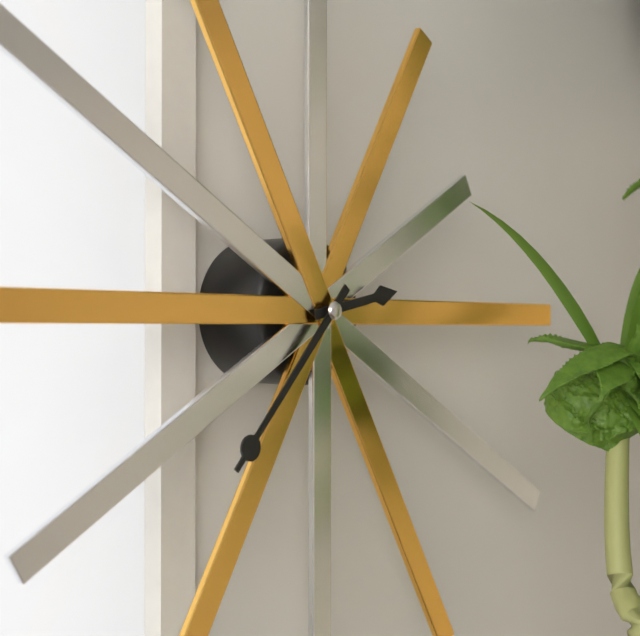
{"hour": 2, "minute": 37}
